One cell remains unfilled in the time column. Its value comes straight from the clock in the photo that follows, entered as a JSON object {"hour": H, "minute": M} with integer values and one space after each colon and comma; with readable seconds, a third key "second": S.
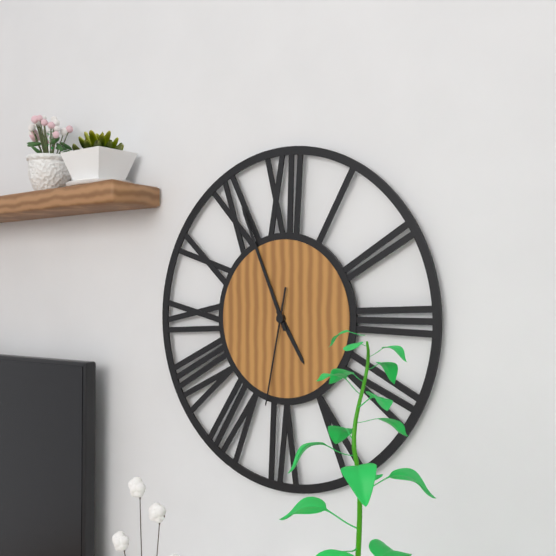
{"hour": 4, "minute": 56, "second": 32}
